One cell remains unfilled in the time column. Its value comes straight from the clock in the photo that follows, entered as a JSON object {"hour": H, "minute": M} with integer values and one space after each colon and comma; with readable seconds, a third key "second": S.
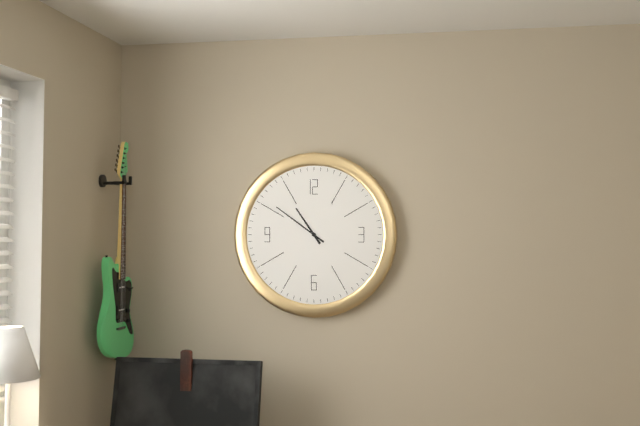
{"hour": 10, "minute": 51}
